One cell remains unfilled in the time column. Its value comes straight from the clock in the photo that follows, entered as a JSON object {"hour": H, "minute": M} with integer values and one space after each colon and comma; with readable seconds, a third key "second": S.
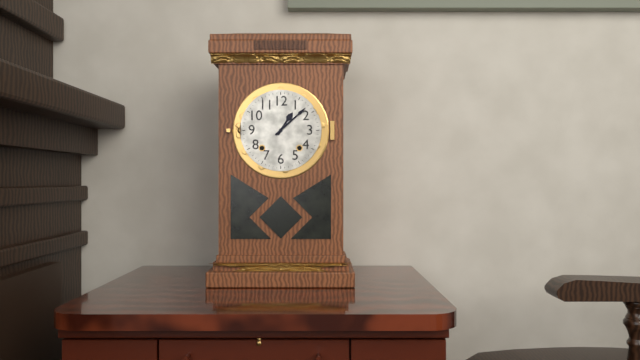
{"hour": 1, "minute": 8}
